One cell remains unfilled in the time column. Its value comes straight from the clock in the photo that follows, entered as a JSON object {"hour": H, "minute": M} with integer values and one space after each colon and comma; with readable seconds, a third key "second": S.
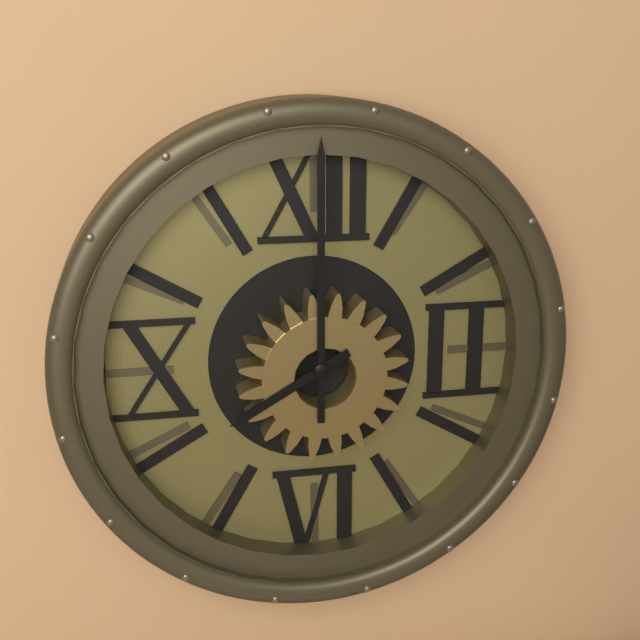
{"hour": 8, "minute": 0}
